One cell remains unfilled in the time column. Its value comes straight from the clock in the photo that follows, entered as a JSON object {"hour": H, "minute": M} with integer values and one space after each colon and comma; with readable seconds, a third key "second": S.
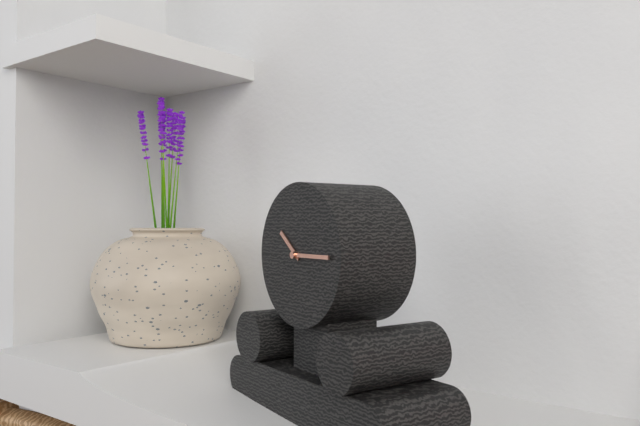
{"hour": 10, "minute": 15}
